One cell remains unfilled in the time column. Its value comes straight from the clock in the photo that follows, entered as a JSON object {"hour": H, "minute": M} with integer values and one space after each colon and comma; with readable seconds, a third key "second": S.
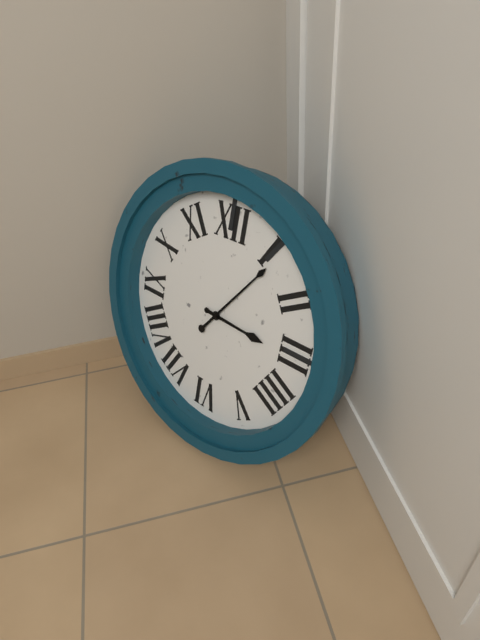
{"hour": 3, "minute": 6}
